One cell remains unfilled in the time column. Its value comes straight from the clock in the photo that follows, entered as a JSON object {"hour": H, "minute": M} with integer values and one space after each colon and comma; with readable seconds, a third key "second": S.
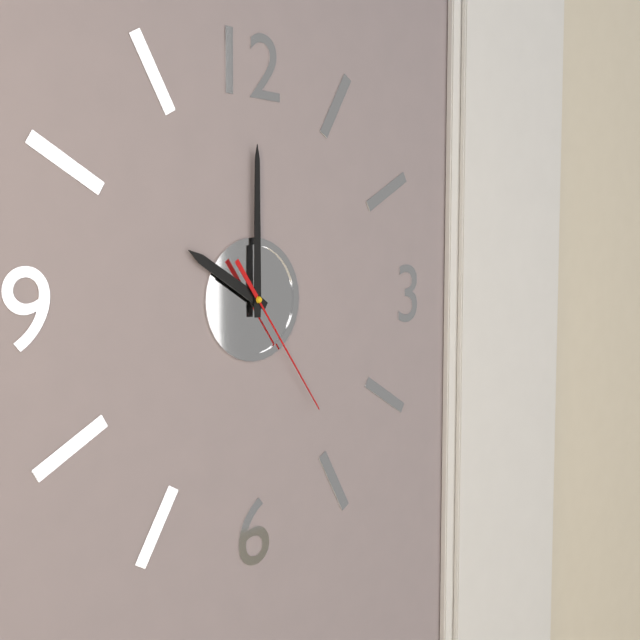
{"hour": 10, "minute": 0, "second": 24}
